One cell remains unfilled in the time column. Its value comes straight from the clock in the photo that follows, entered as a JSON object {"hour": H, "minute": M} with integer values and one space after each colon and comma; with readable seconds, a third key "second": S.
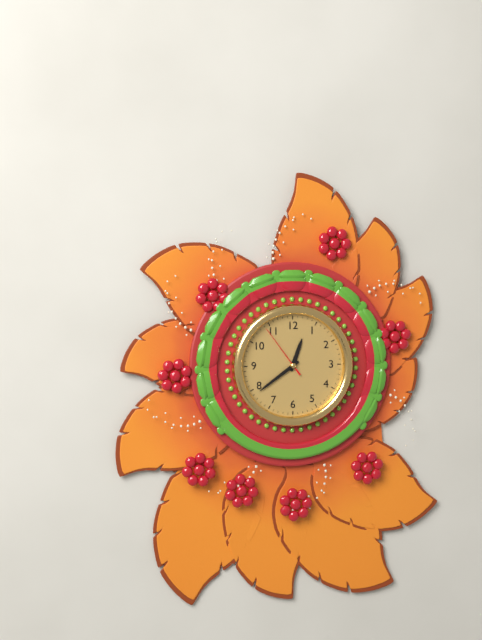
{"hour": 12, "minute": 39, "second": 54}
